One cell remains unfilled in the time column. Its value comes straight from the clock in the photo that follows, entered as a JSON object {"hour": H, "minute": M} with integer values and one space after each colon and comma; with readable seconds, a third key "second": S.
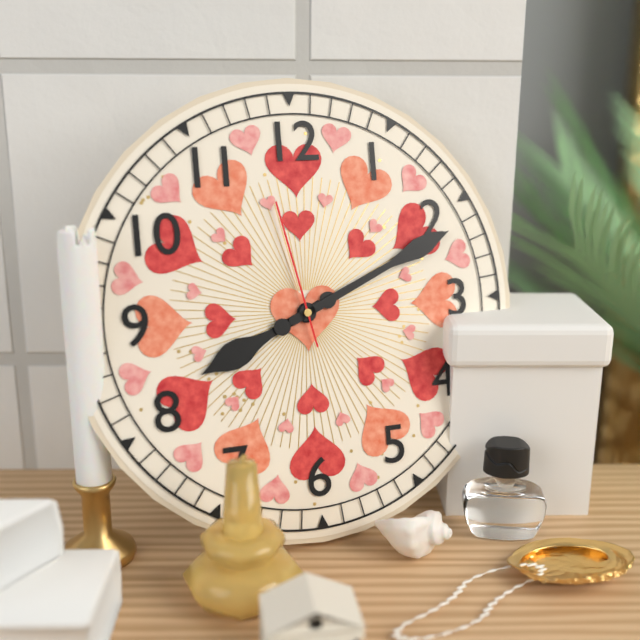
{"hour": 8, "minute": 11, "second": 58}
